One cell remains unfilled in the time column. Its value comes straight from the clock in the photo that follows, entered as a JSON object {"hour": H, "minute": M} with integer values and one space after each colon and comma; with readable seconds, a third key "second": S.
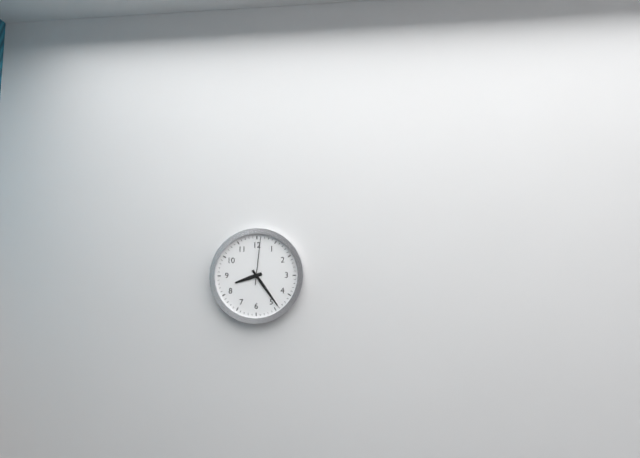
{"hour": 8, "minute": 24}
